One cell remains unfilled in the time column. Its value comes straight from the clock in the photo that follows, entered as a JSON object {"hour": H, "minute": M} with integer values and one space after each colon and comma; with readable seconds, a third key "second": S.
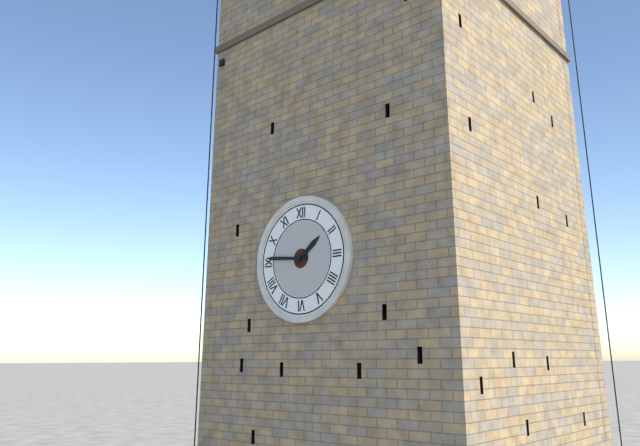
{"hour": 1, "minute": 46}
